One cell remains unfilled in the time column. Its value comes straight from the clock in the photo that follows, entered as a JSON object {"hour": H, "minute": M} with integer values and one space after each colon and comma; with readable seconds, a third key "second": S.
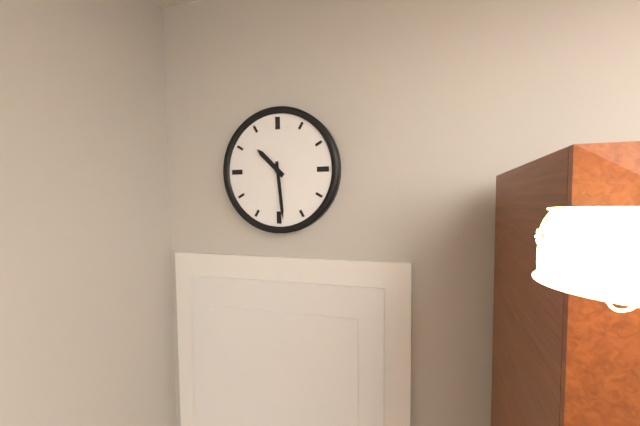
{"hour": 10, "minute": 29}
